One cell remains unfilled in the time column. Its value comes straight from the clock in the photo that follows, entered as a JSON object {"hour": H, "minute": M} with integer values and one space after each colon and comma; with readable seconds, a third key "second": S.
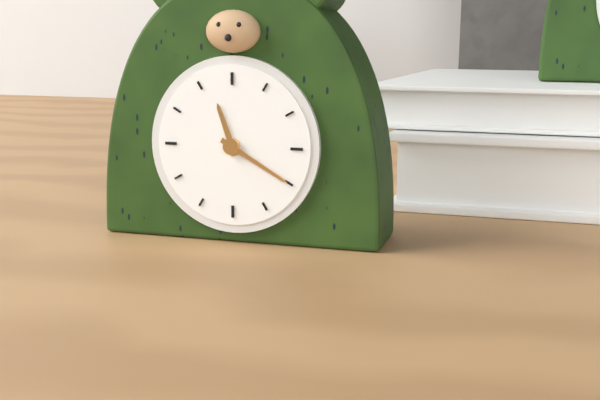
{"hour": 11, "minute": 20}
